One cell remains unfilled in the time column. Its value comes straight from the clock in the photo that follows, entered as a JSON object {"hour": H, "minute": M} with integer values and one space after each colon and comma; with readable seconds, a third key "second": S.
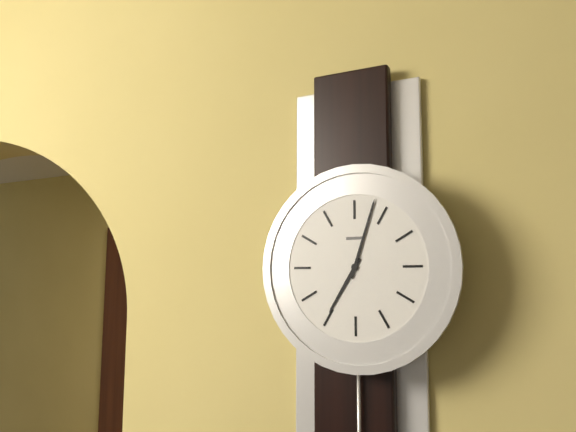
{"hour": 7, "minute": 3}
